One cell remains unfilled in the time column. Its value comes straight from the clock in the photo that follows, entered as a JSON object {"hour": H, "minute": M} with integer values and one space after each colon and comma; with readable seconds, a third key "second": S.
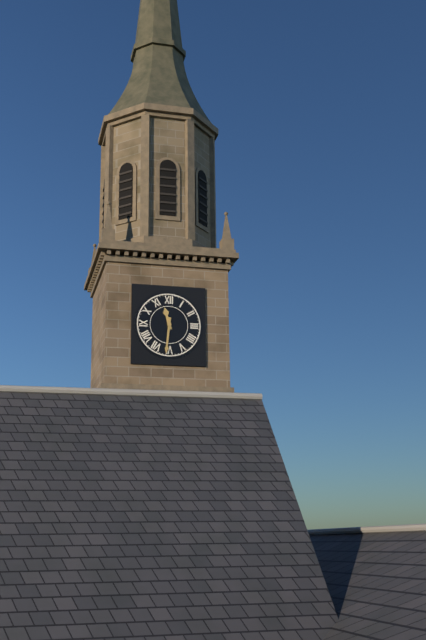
{"hour": 11, "minute": 31}
